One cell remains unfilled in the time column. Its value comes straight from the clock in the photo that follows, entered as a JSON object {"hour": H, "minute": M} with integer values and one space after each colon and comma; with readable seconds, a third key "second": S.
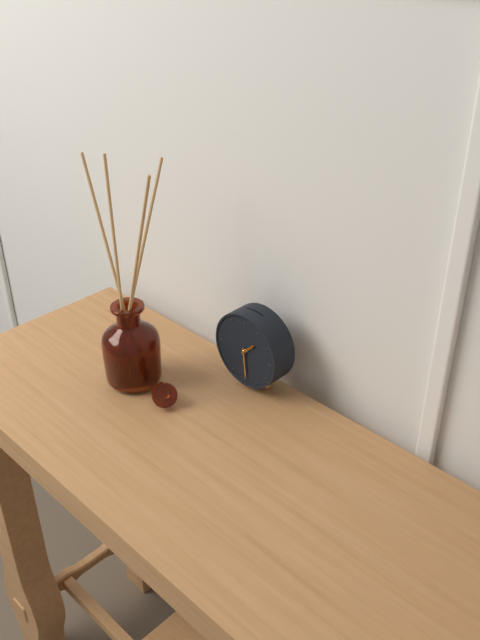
{"hour": 1, "minute": 29}
